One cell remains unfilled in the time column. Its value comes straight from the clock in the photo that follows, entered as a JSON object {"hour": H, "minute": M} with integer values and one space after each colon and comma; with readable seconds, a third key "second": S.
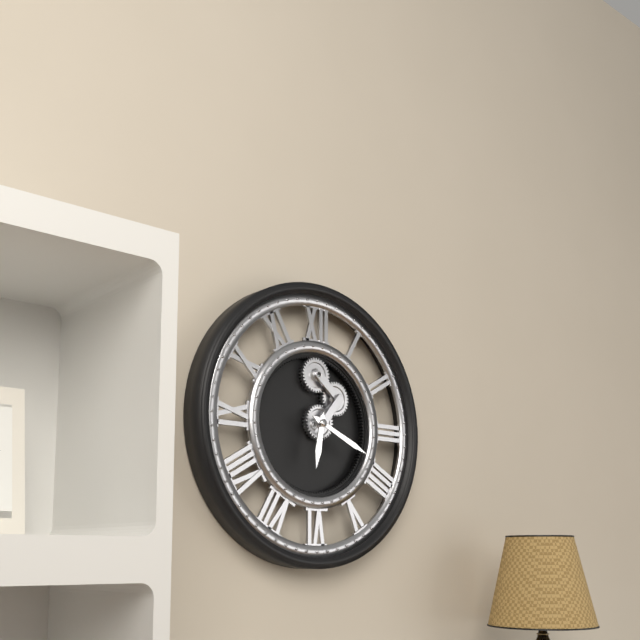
{"hour": 6, "minute": 19}
